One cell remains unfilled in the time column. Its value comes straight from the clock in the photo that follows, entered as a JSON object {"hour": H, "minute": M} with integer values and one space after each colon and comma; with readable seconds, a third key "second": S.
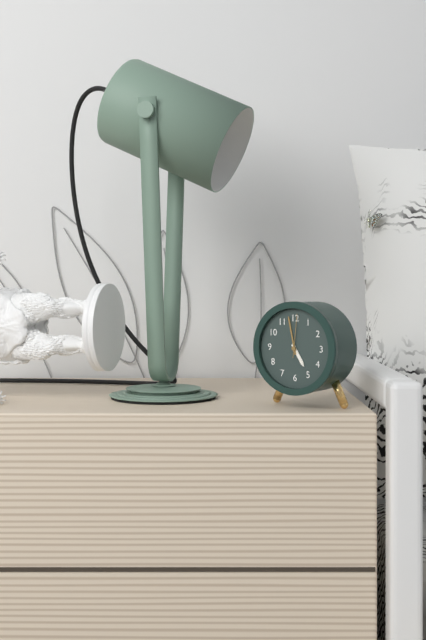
{"hour": 4, "minute": 58}
